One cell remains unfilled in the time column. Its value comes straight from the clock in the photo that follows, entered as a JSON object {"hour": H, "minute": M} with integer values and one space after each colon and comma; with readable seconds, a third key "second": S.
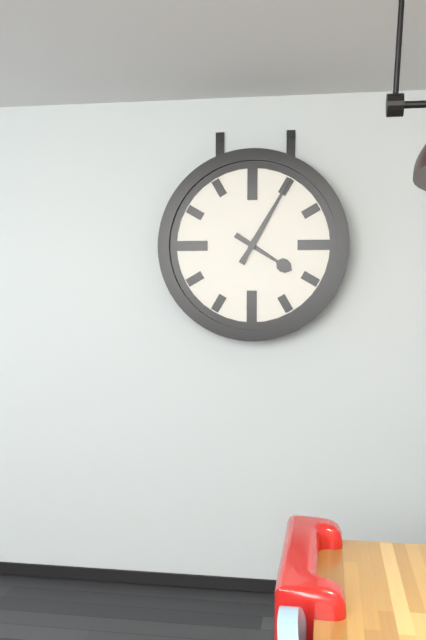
{"hour": 4, "minute": 5}
